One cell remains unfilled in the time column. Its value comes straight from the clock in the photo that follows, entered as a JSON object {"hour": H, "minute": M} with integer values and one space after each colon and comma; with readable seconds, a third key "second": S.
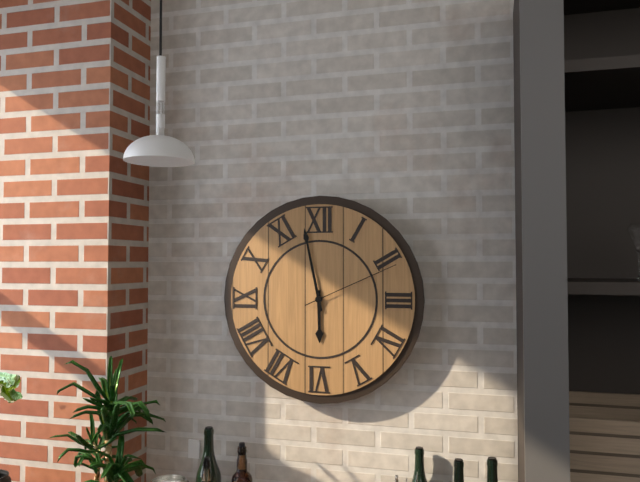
{"hour": 5, "minute": 58, "second": 11}
